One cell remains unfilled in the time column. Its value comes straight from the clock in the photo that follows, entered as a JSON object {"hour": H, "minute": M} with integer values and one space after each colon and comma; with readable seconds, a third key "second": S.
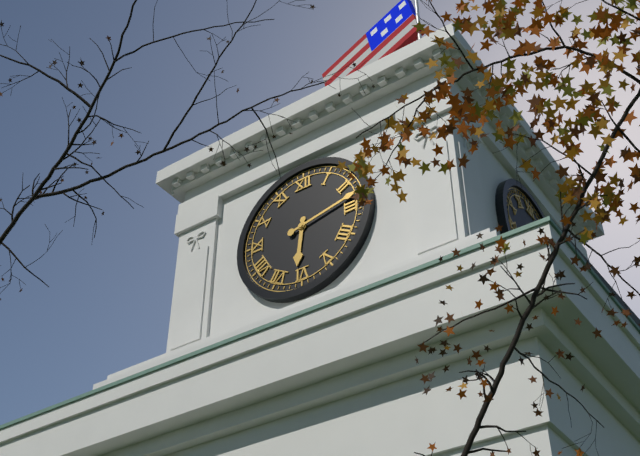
{"hour": 6, "minute": 13}
